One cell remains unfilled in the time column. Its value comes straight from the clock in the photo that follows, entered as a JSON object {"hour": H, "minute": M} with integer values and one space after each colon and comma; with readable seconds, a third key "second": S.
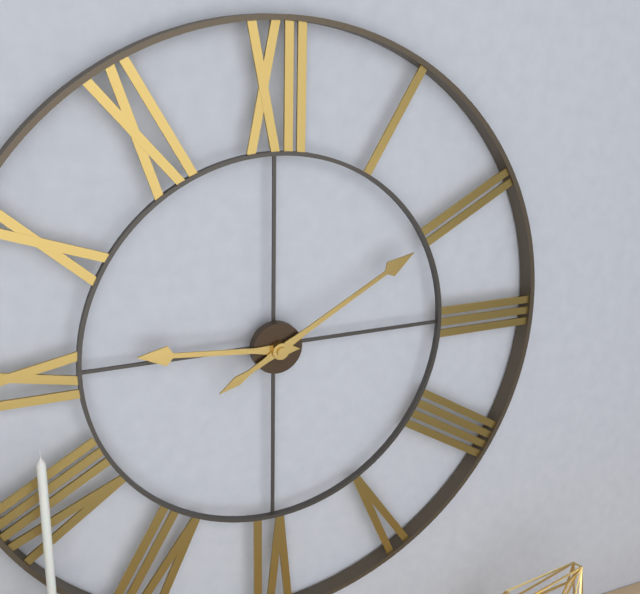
{"hour": 9, "minute": 10}
